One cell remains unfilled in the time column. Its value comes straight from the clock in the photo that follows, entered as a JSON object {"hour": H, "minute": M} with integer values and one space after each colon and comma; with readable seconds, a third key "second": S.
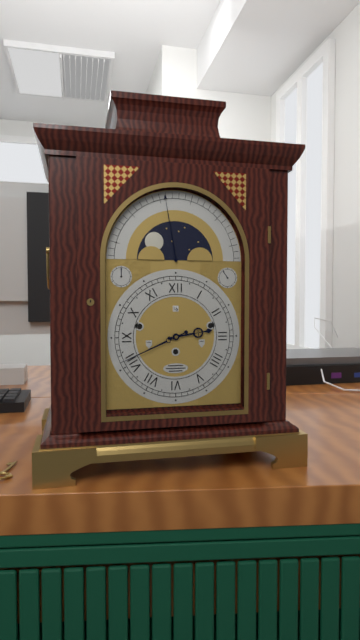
{"hour": 2, "minute": 41}
